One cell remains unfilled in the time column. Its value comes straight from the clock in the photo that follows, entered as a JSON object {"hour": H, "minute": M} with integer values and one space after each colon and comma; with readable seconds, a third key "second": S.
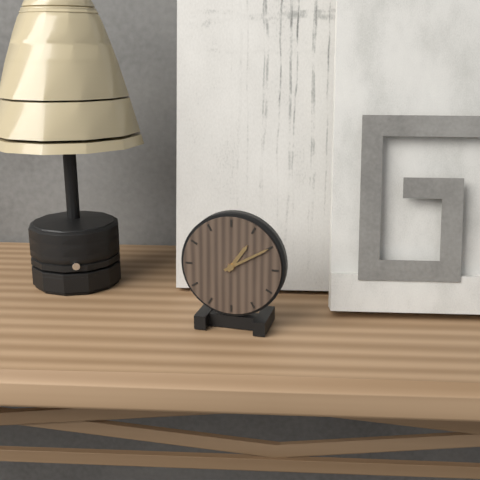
{"hour": 1, "minute": 10}
